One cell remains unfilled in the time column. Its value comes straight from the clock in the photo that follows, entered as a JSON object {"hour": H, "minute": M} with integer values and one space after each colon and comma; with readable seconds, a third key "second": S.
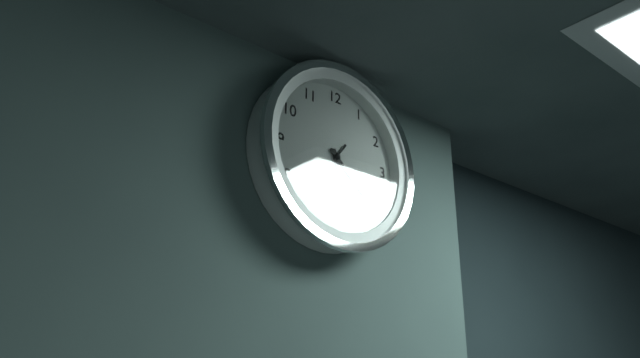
{"hour": 5, "minute": 22, "second": 36}
